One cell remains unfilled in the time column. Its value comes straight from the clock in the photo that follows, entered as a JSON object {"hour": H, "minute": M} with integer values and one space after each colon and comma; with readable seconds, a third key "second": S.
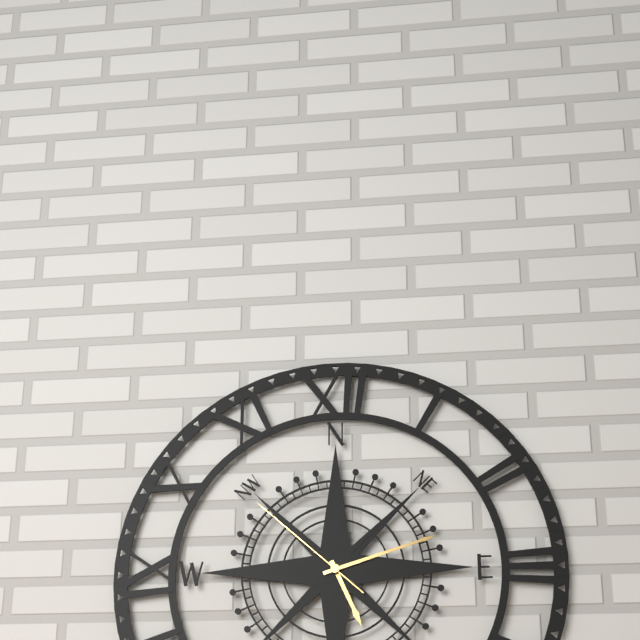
{"hour": 5, "minute": 12, "second": 52}
